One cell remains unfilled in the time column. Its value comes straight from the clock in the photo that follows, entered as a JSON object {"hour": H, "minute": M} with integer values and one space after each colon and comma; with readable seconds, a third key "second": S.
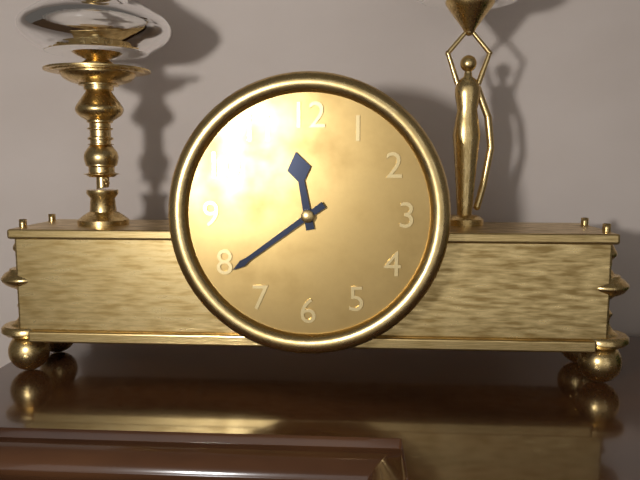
{"hour": 11, "minute": 39}
